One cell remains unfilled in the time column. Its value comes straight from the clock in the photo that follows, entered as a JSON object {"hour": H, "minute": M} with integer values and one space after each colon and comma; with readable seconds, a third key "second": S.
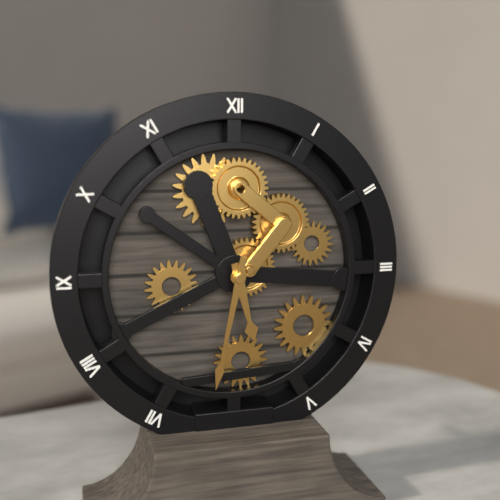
{"hour": 5, "minute": 32}
